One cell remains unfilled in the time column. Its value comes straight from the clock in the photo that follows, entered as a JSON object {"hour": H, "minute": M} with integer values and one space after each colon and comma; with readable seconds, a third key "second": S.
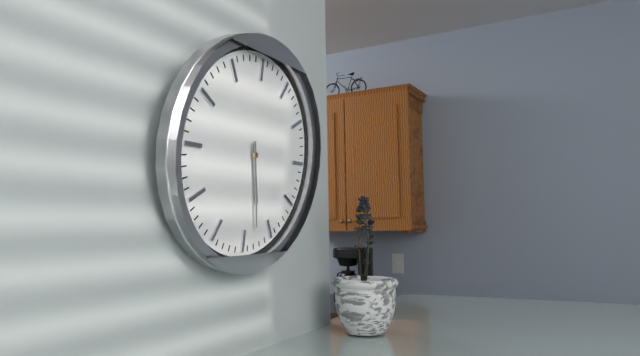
{"hour": 5, "minute": 28}
